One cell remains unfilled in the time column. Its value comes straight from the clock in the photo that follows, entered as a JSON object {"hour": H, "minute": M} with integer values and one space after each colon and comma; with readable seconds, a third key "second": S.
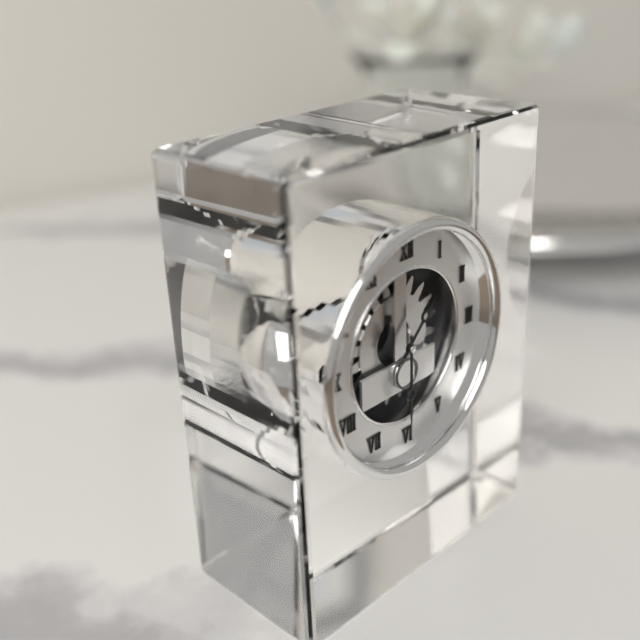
{"hour": 1, "minute": 30}
